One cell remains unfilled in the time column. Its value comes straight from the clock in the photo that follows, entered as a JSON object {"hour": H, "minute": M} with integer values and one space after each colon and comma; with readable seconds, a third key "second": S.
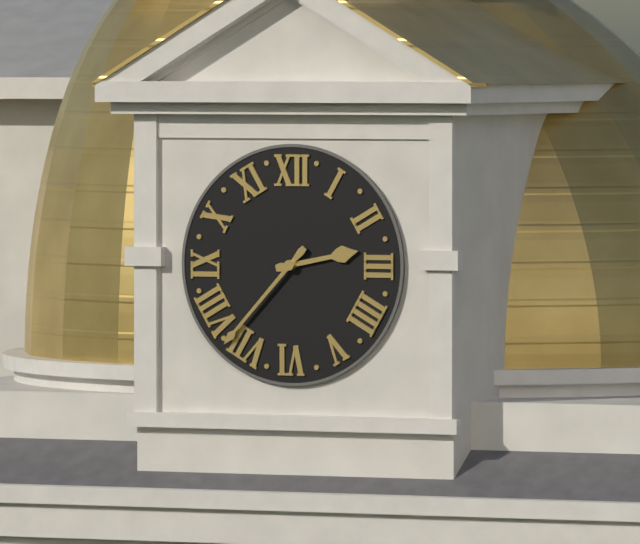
{"hour": 2, "minute": 37}
